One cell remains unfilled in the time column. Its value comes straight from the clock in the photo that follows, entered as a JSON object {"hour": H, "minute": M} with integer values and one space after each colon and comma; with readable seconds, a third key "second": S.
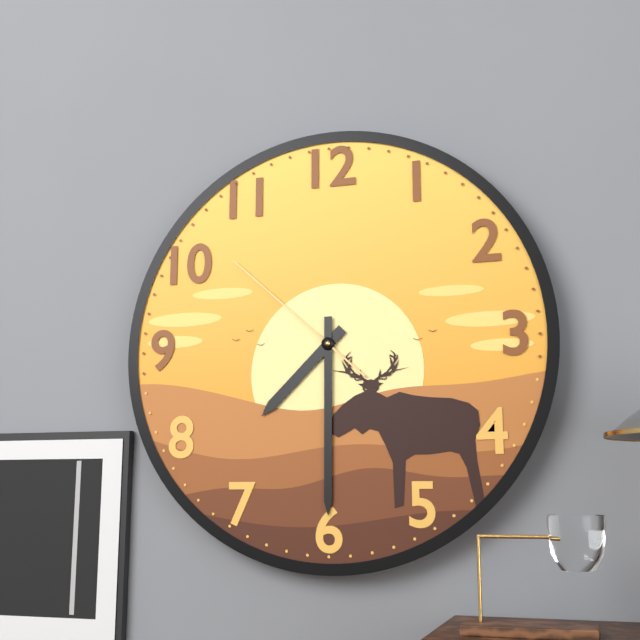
{"hour": 7, "minute": 30, "second": 52}
